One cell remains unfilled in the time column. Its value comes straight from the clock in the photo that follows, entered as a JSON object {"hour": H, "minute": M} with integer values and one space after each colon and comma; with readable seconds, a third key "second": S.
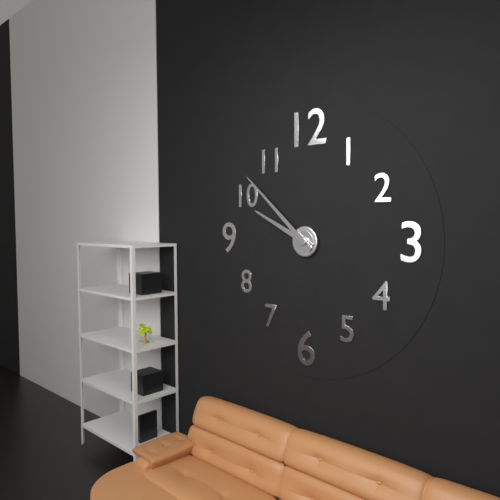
{"hour": 9, "minute": 52}
